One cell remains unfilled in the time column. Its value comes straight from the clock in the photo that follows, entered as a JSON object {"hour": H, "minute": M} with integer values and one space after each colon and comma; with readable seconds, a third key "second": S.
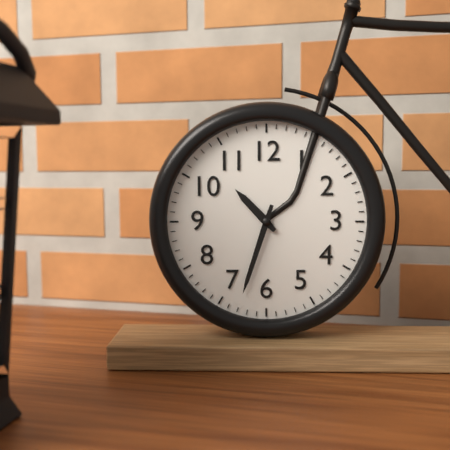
{"hour": 10, "minute": 33}
